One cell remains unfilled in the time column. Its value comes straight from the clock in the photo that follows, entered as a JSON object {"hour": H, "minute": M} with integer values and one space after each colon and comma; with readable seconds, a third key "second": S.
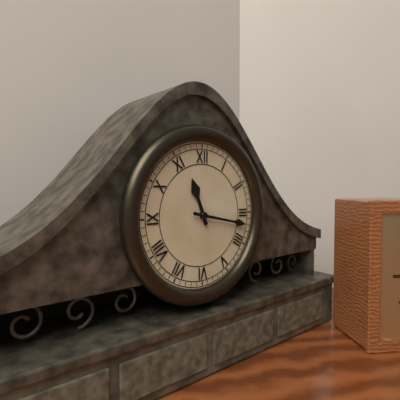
{"hour": 11, "minute": 17}
